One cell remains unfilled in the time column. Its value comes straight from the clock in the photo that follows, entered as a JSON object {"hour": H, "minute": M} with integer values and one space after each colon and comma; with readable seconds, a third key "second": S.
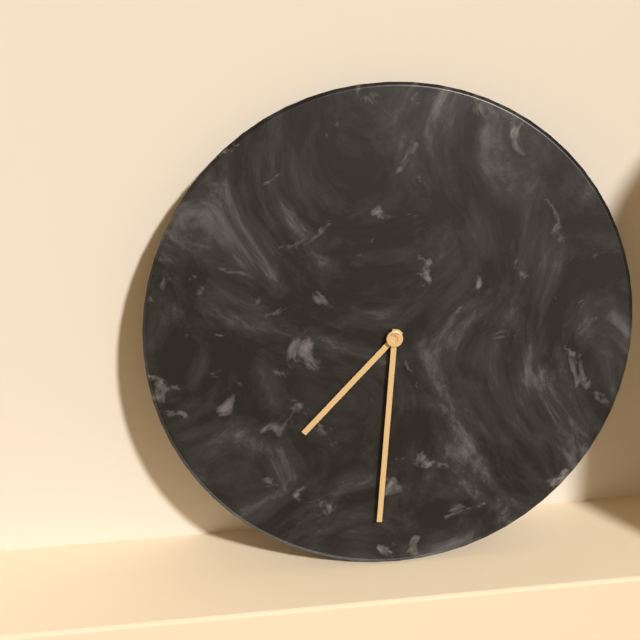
{"hour": 7, "minute": 31}
